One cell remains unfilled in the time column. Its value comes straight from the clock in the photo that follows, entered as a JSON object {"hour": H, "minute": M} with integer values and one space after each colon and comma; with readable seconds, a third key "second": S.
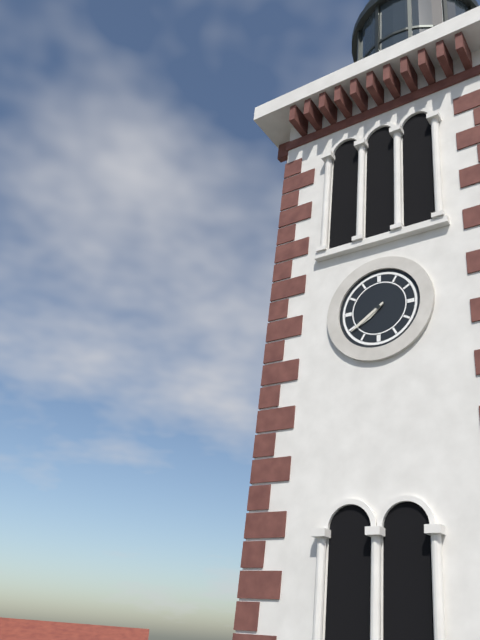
{"hour": 7, "minute": 39}
